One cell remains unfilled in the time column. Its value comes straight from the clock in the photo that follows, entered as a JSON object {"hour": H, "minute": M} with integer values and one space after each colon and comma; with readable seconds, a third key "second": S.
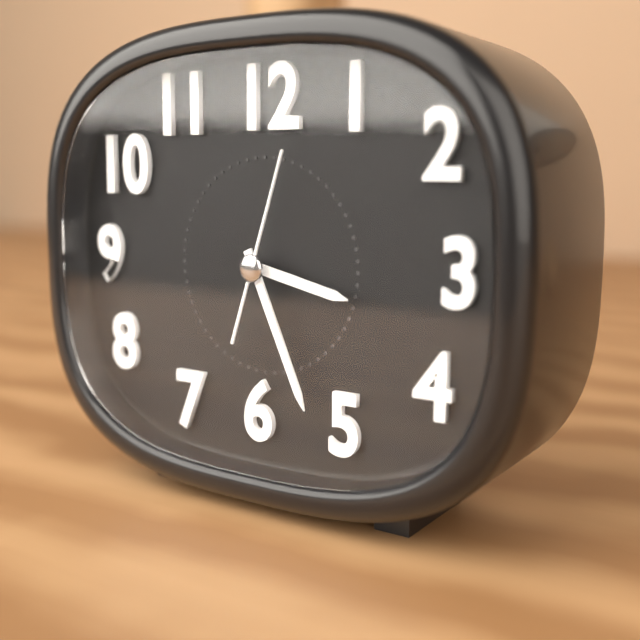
{"hour": 3, "minute": 26, "second": 3}
